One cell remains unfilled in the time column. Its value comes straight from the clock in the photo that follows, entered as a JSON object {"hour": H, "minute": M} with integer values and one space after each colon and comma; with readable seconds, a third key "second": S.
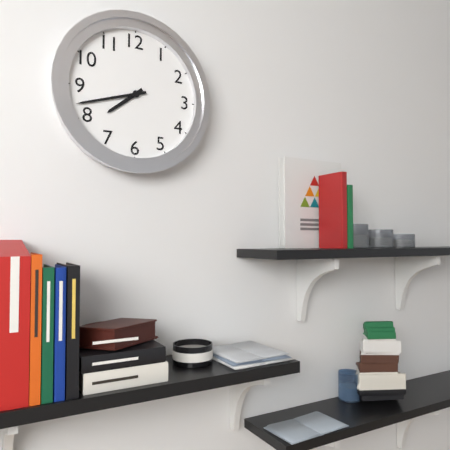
{"hour": 7, "minute": 42}
